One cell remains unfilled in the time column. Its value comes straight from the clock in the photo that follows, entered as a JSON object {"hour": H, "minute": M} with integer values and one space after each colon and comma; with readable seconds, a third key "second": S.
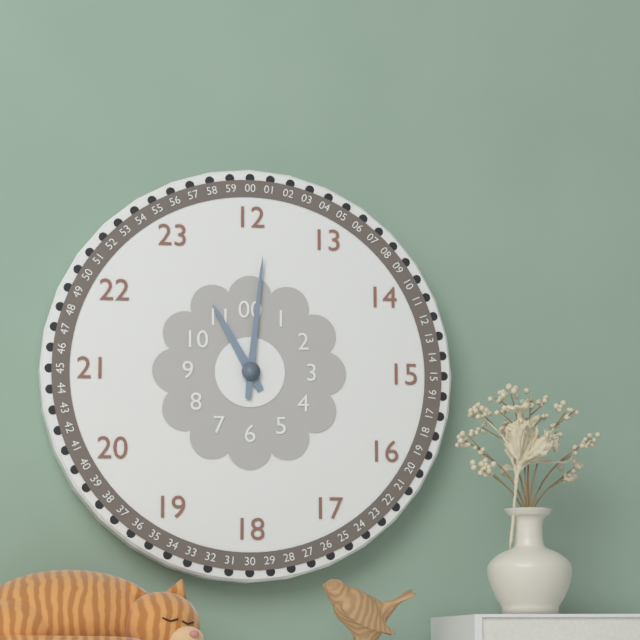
{"hour": 11, "minute": 1}
